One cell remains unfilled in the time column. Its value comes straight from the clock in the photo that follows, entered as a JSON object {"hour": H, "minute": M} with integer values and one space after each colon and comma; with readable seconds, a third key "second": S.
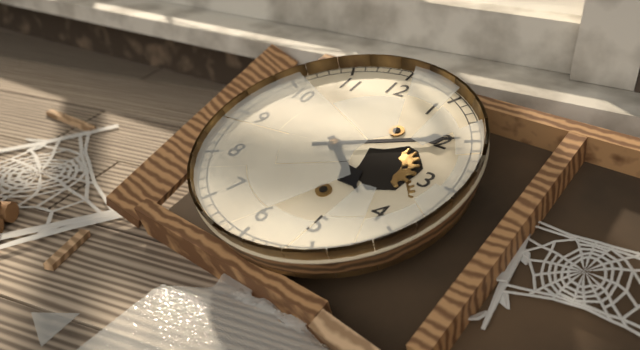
{"hour": 4, "minute": 10}
